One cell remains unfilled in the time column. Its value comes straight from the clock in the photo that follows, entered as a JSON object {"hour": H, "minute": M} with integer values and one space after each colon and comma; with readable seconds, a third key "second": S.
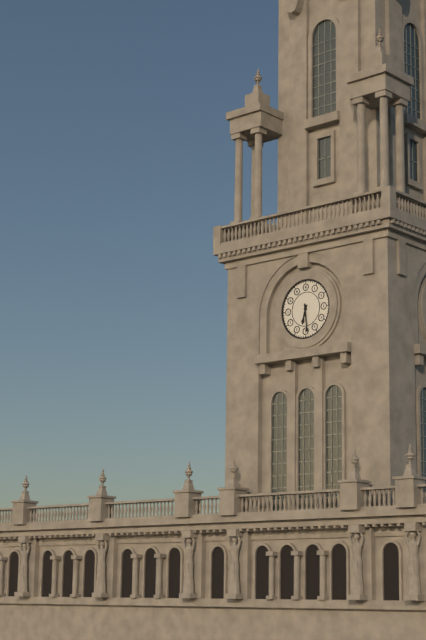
{"hour": 6, "minute": 29}
